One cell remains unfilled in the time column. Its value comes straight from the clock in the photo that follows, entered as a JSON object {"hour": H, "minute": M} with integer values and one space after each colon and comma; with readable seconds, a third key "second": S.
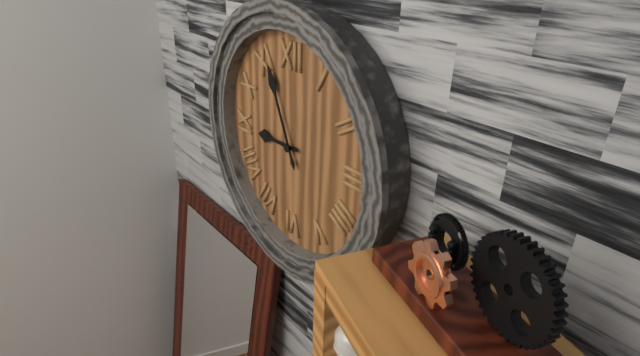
{"hour": 8, "minute": 56}
